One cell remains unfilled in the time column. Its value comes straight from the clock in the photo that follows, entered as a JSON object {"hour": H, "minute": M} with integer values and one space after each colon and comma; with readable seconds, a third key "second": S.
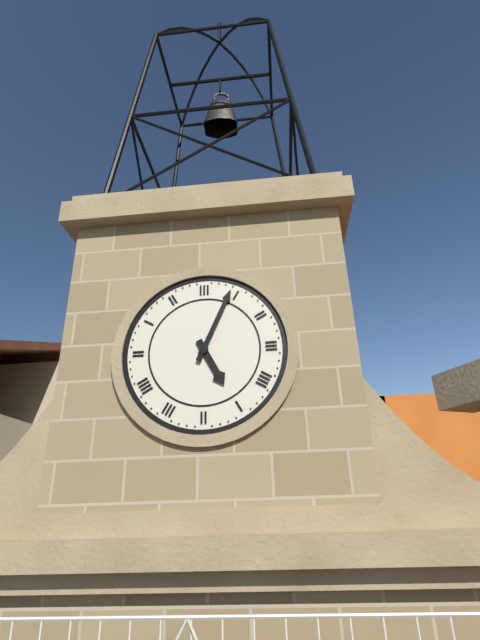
{"hour": 5, "minute": 4}
